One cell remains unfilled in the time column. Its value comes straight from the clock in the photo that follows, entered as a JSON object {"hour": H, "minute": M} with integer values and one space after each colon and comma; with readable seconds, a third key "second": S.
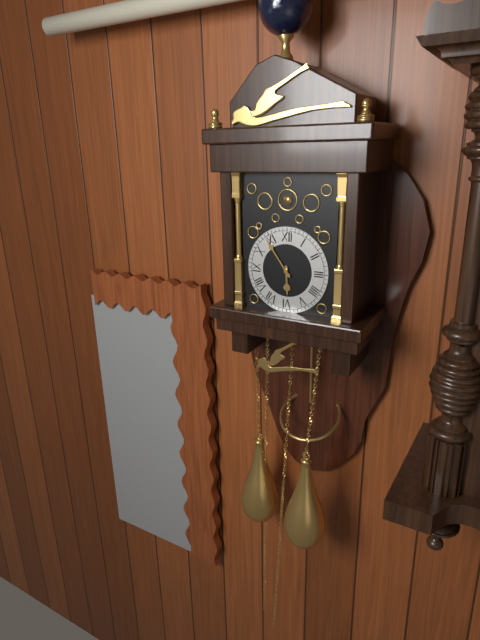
{"hour": 5, "minute": 54}
